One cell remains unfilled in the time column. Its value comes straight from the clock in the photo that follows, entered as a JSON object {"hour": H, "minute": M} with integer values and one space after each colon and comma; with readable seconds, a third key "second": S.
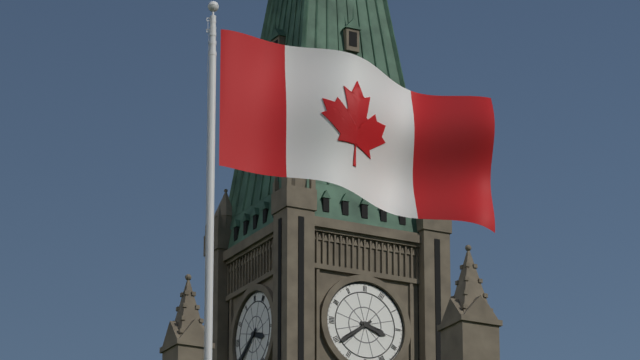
{"hour": 3, "minute": 39}
